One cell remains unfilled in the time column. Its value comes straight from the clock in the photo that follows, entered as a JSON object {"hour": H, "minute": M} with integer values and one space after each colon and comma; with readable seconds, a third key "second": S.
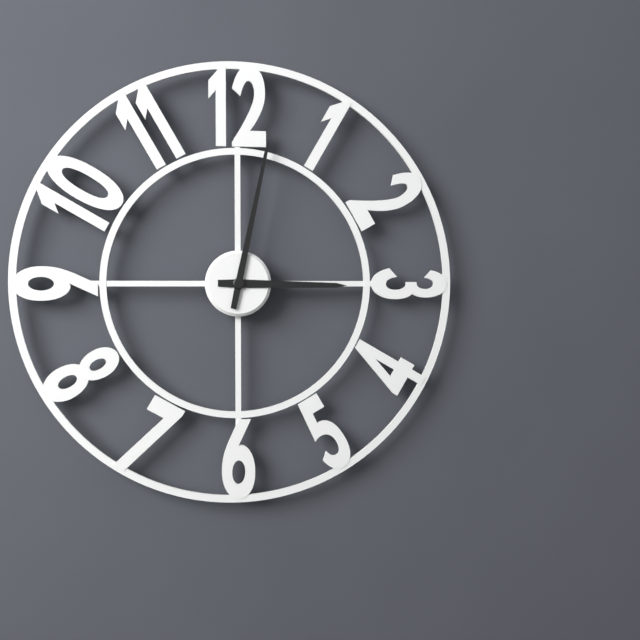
{"hour": 3, "minute": 2}
